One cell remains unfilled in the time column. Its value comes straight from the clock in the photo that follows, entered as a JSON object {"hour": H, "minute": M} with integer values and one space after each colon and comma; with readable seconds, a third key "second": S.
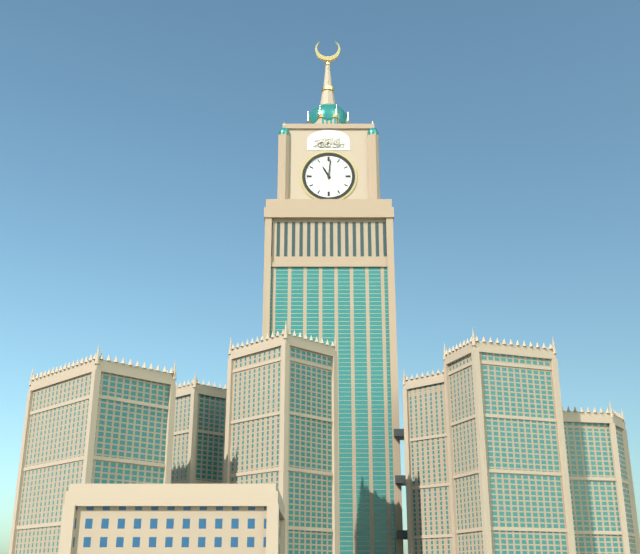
{"hour": 11, "minute": 1}
